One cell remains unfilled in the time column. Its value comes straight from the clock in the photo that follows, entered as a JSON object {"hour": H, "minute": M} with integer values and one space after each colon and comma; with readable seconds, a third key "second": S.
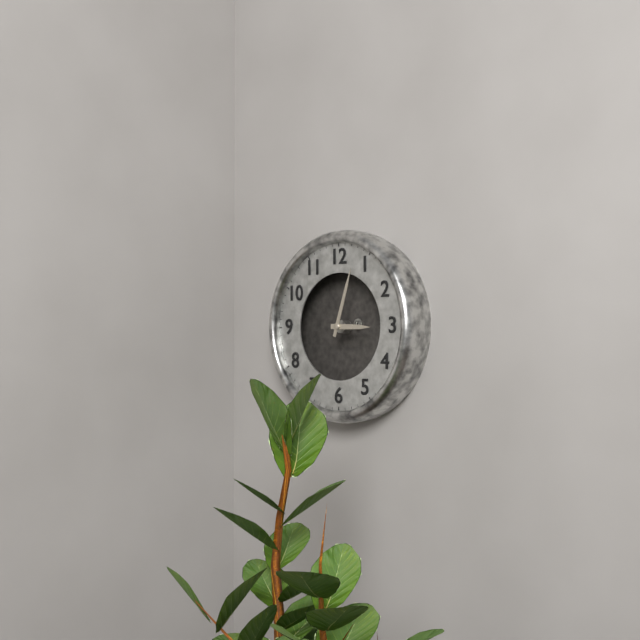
{"hour": 3, "minute": 3}
